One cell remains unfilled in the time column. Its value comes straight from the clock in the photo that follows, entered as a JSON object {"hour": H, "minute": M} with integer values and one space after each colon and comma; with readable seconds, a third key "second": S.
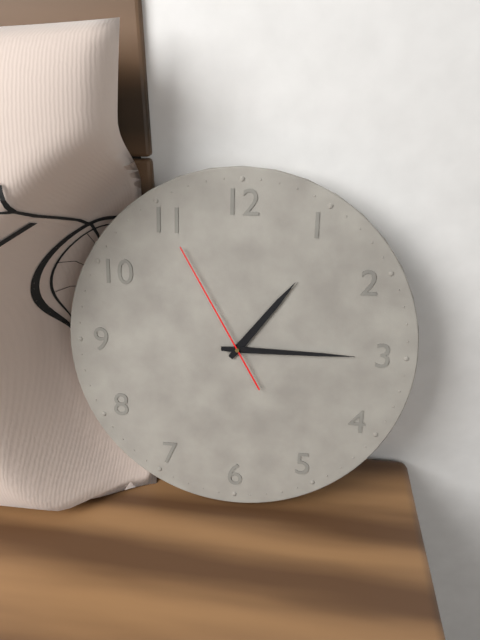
{"hour": 1, "minute": 15, "second": 55}
